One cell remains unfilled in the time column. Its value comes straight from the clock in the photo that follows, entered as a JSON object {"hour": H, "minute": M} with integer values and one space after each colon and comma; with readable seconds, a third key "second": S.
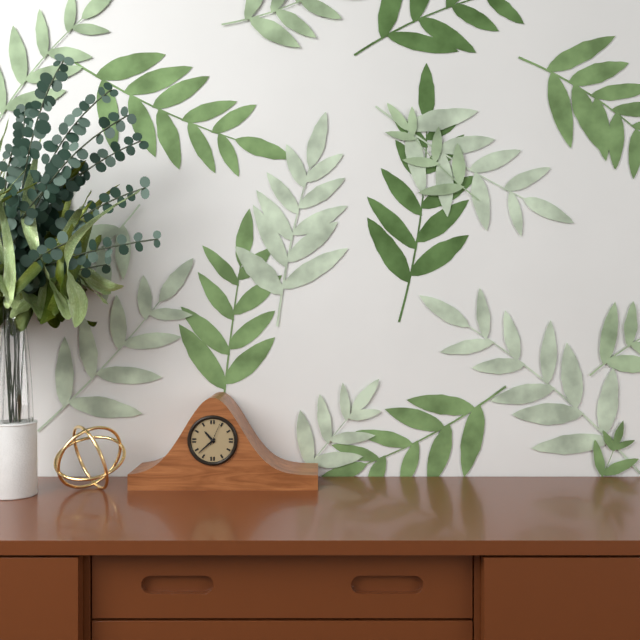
{"hour": 10, "minute": 38}
